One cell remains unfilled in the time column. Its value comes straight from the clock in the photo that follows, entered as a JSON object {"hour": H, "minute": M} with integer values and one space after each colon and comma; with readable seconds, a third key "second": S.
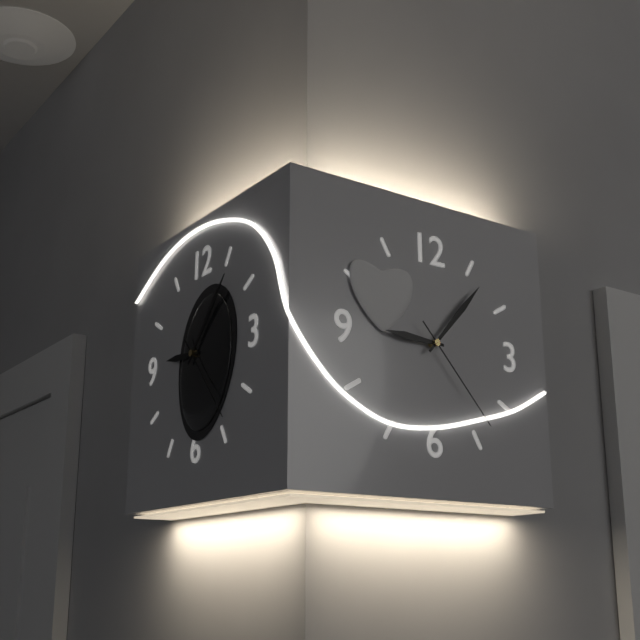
{"hour": 9, "minute": 7, "second": 23}
